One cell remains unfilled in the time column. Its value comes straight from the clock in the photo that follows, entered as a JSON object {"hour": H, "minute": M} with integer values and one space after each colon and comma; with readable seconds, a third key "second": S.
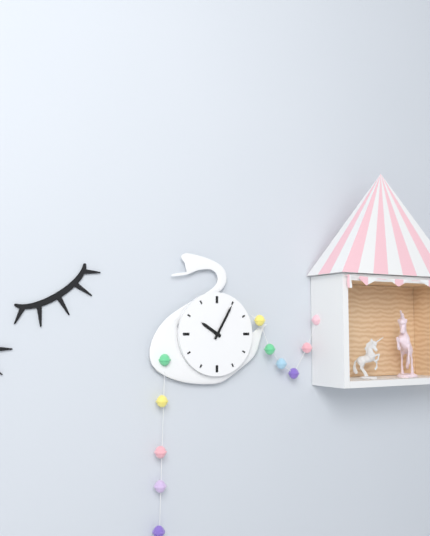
{"hour": 10, "minute": 5}
